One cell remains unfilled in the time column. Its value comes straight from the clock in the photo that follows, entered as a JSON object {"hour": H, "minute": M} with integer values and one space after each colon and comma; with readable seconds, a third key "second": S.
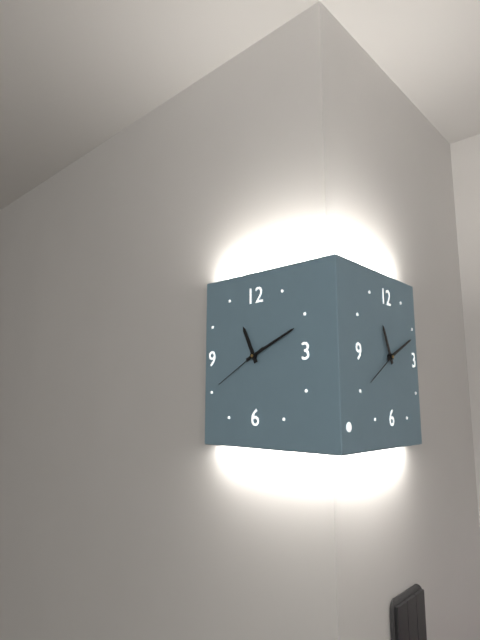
{"hour": 11, "minute": 11, "second": 40}
